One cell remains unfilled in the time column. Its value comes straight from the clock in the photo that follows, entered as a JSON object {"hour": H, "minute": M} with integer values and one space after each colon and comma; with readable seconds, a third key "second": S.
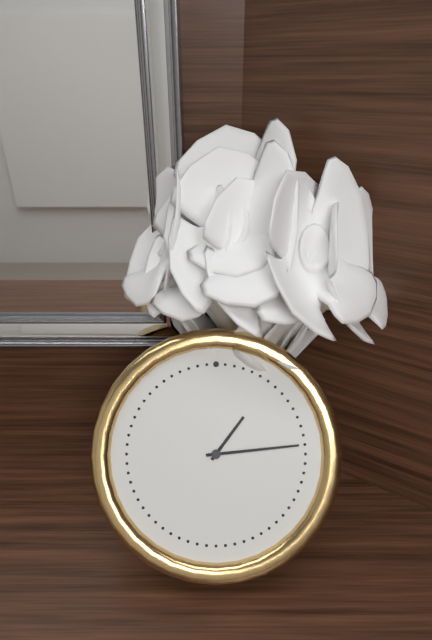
{"hour": 1, "minute": 14}
